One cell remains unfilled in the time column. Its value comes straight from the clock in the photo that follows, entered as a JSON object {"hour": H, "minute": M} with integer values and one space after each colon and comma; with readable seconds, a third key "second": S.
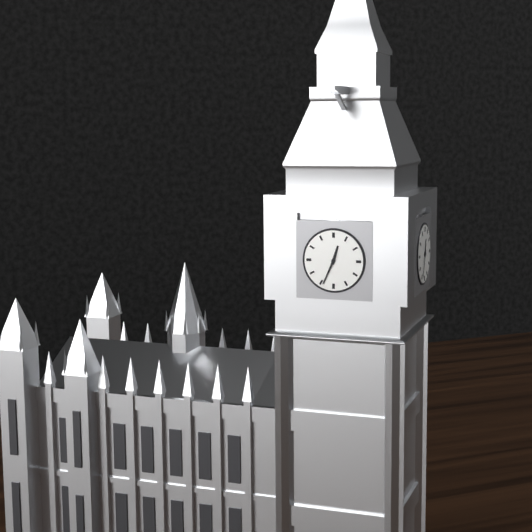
{"hour": 12, "minute": 34}
